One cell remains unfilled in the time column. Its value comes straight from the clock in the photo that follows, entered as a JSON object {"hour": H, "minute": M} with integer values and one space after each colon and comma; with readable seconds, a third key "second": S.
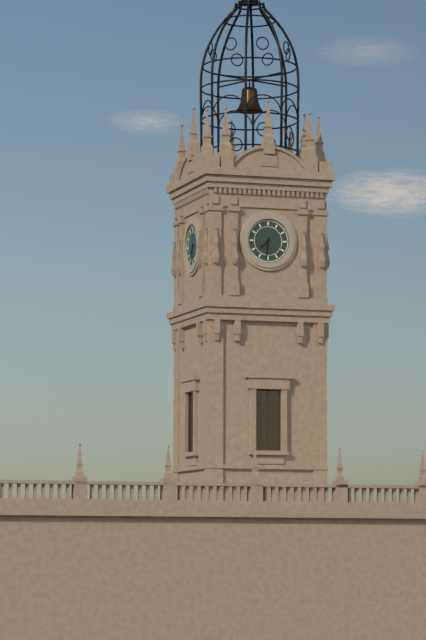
{"hour": 7, "minute": 31}
